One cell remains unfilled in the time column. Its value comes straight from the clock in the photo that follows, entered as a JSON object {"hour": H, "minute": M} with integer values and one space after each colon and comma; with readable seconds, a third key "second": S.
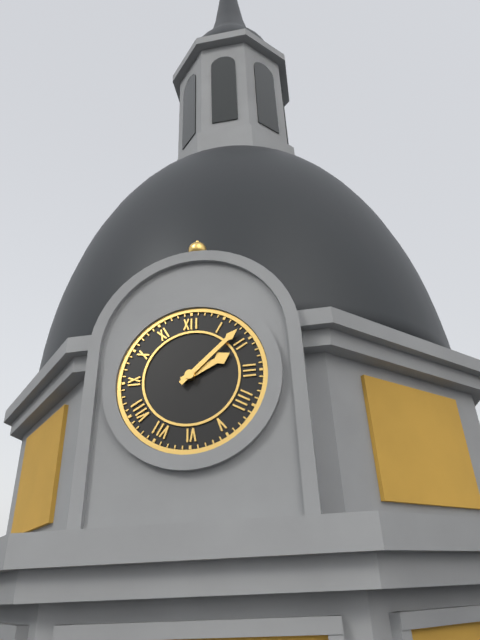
{"hour": 2, "minute": 8}
